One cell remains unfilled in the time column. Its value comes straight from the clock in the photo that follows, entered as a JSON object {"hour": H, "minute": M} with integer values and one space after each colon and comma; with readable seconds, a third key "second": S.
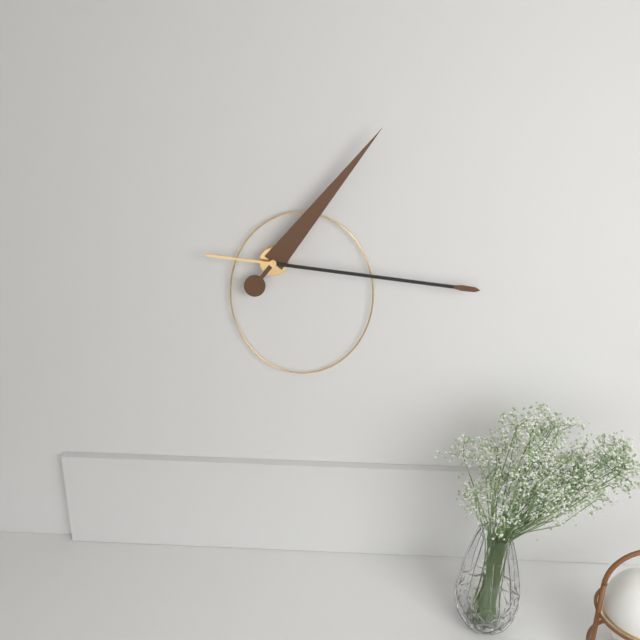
{"hour": 1, "minute": 16}
